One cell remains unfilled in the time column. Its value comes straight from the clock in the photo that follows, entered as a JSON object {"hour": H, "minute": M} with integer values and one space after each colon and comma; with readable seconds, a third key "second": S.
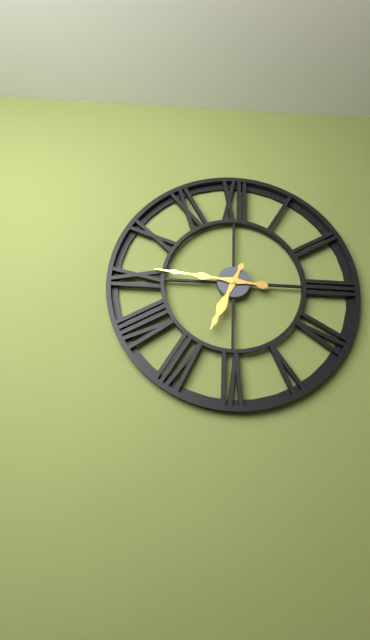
{"hour": 6, "minute": 46}
